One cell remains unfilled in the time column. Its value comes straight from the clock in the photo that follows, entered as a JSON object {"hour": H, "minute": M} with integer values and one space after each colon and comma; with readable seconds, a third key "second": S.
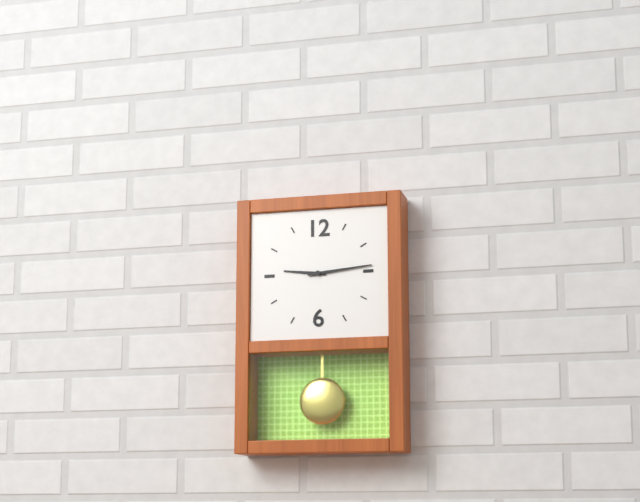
{"hour": 9, "minute": 14}
